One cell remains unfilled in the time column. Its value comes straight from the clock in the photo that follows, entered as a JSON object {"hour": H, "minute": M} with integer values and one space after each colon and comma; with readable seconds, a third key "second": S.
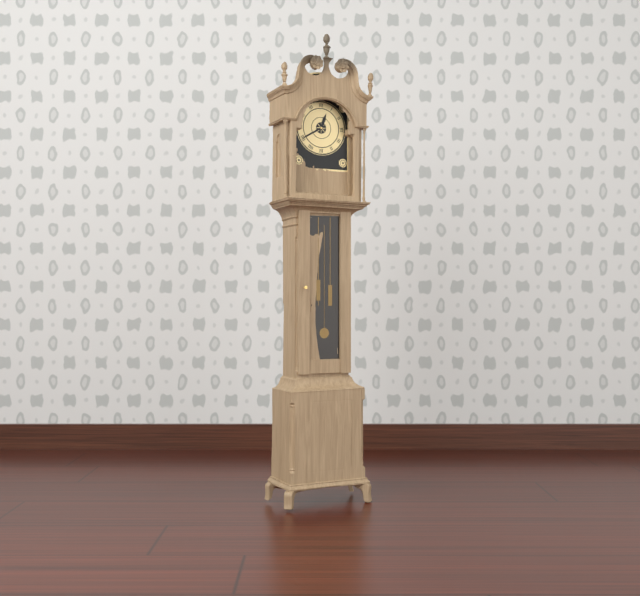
{"hour": 12, "minute": 40}
